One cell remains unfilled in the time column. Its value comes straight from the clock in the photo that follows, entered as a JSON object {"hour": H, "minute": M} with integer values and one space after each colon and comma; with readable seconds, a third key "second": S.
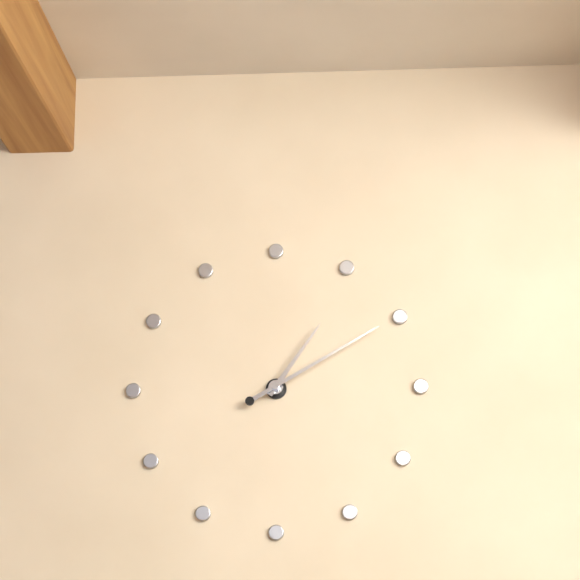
{"hour": 1, "minute": 10}
